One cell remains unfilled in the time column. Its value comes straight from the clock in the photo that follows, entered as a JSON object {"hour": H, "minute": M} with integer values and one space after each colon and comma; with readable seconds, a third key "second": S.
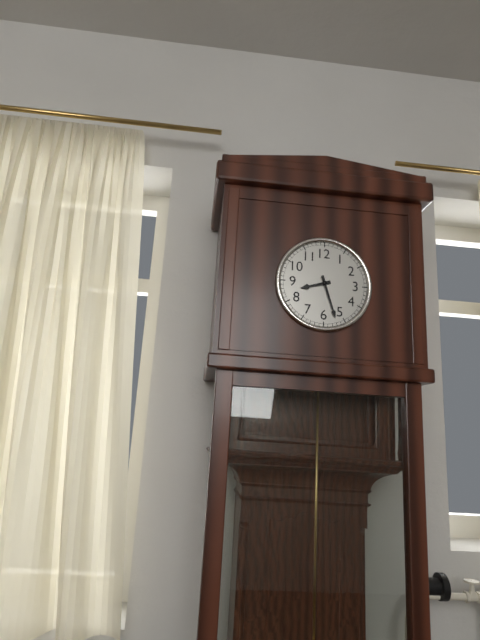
{"hour": 8, "minute": 27}
